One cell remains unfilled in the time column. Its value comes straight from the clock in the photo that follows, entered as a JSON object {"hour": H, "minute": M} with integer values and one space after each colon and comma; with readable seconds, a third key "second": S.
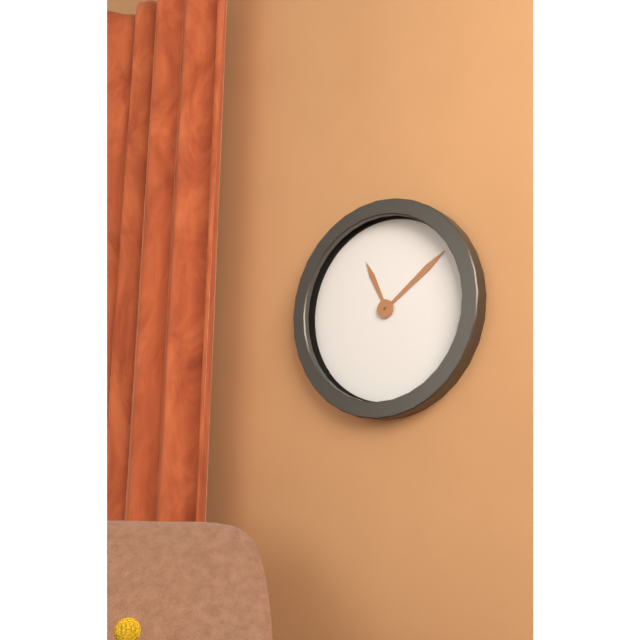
{"hour": 11, "minute": 9}
